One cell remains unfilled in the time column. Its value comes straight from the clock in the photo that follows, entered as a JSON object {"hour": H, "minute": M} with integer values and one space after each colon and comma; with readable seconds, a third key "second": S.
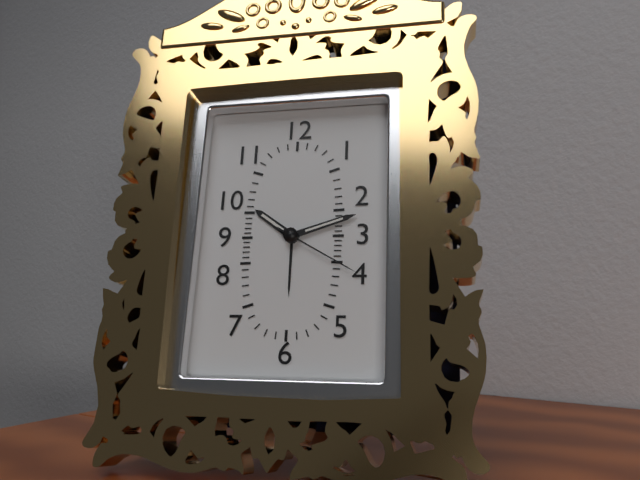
{"hour": 10, "minute": 12, "second": 20}
